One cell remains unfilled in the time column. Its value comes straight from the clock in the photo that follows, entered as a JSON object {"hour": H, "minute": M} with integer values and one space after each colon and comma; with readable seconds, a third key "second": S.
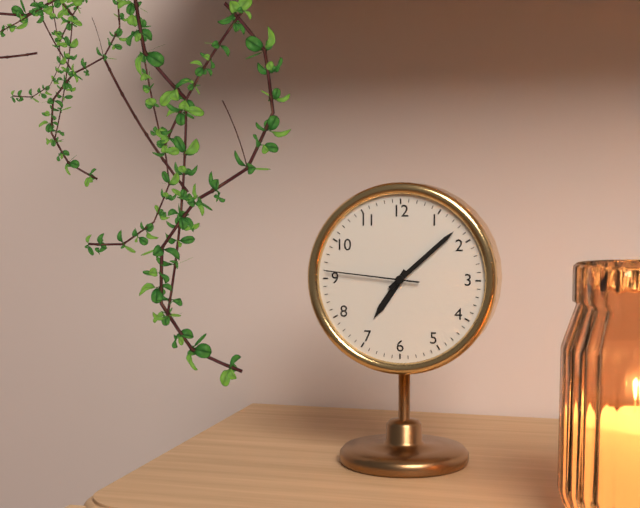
{"hour": 7, "minute": 8, "second": 46}
